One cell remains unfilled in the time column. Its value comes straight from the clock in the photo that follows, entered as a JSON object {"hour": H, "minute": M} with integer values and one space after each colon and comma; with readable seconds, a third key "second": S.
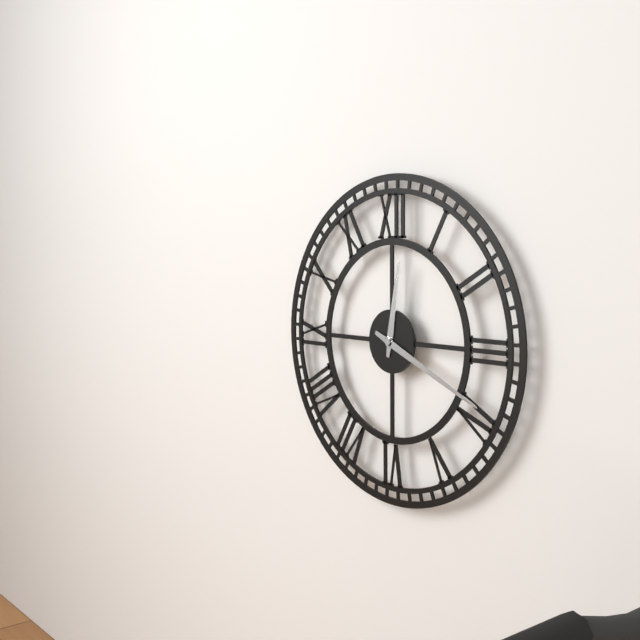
{"hour": 12, "minute": 19}
